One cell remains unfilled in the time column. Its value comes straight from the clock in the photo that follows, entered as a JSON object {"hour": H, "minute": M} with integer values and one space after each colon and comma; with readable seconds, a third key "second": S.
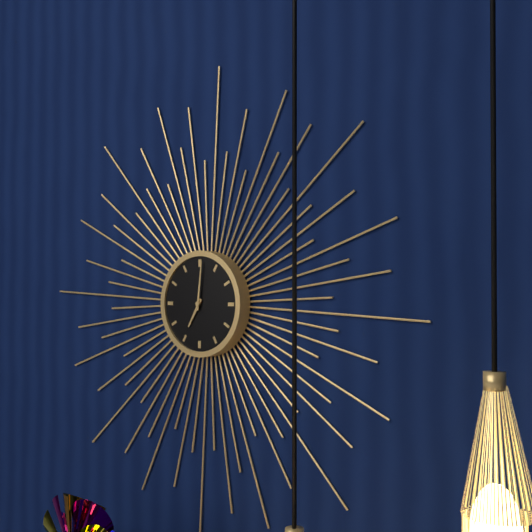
{"hour": 7, "minute": 1}
